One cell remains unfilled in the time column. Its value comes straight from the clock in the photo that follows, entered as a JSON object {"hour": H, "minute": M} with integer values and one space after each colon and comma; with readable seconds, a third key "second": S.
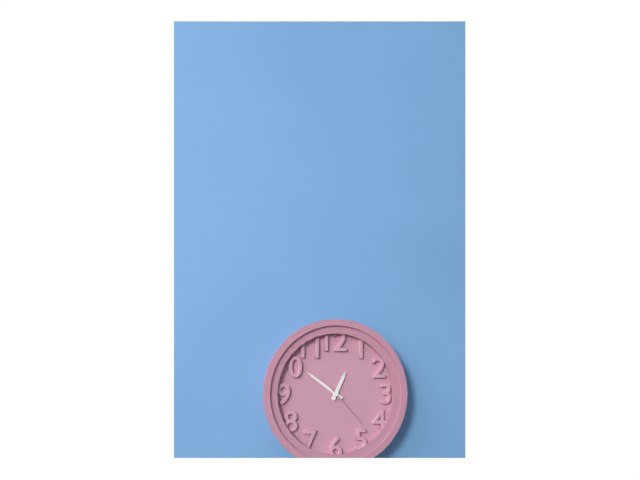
{"hour": 12, "minute": 51}
